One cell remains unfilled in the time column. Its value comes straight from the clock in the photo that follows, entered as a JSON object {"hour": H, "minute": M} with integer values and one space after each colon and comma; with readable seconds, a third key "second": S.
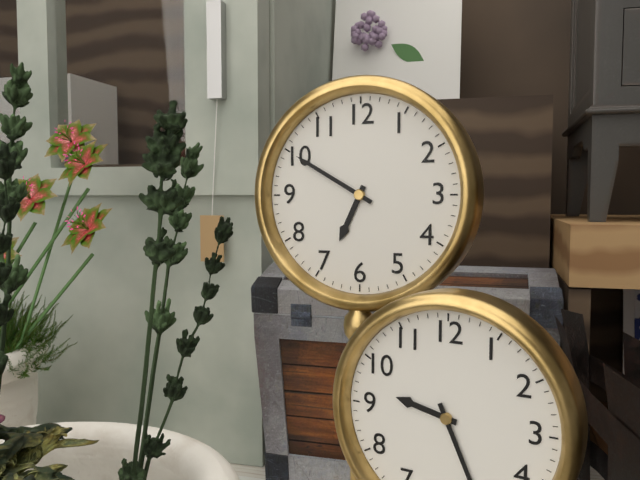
{"hour": 6, "minute": 50}
